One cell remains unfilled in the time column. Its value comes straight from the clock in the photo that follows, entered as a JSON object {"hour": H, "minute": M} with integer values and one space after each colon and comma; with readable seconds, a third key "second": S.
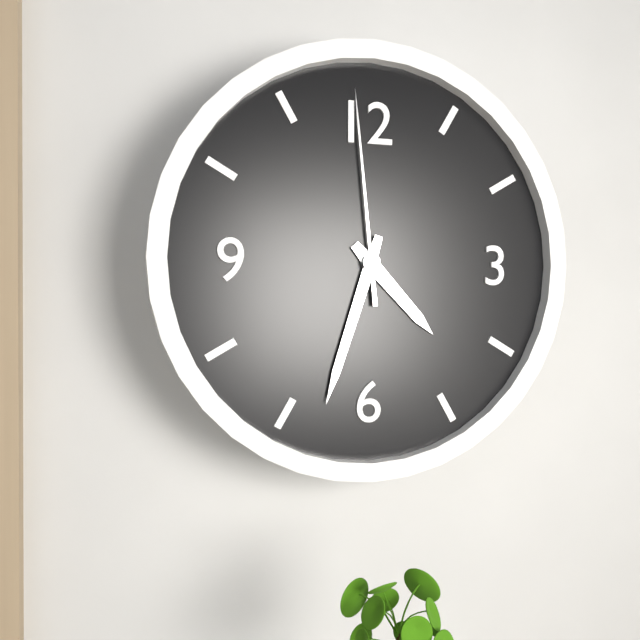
{"hour": 4, "minute": 33, "second": 59}
